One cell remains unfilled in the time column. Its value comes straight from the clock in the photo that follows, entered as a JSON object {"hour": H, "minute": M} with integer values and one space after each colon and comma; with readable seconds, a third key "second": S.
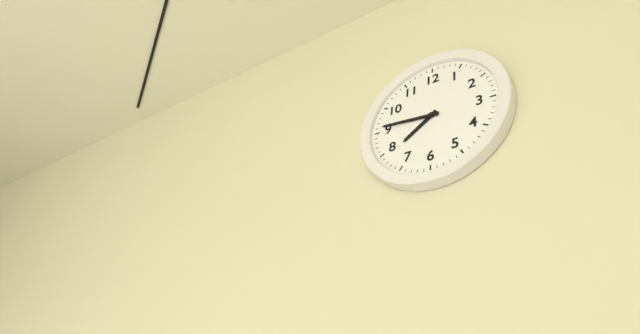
{"hour": 7, "minute": 46}
